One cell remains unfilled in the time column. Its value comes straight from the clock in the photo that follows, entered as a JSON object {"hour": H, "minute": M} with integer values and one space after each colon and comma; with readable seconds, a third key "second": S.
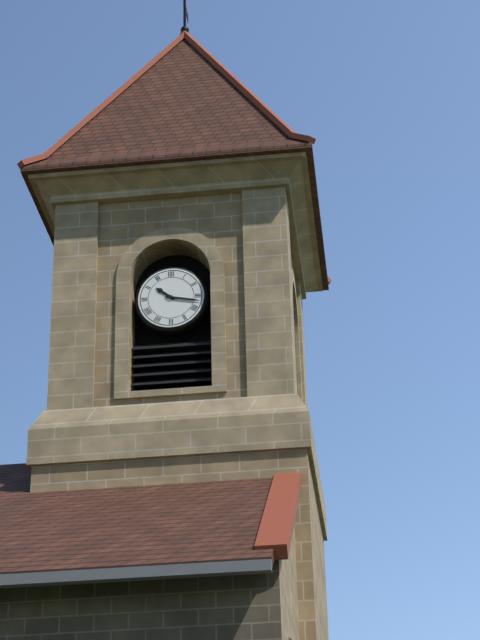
{"hour": 10, "minute": 17}
